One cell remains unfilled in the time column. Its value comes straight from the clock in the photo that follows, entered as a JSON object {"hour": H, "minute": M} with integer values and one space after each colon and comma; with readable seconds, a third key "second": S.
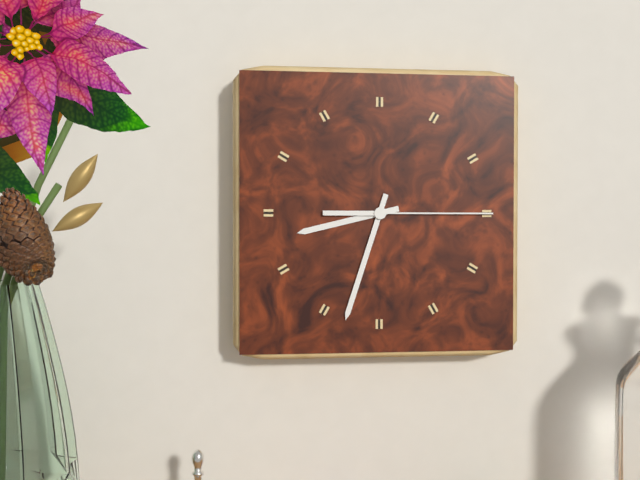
{"hour": 8, "minute": 33, "second": 15}
